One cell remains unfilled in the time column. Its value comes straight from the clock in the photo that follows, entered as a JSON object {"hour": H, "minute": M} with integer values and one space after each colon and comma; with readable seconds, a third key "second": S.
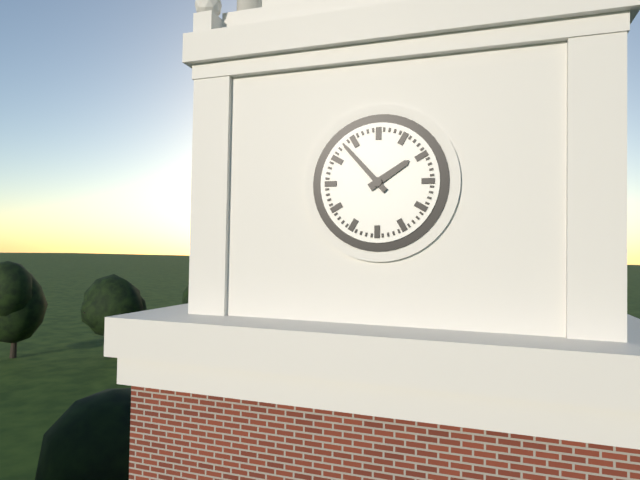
{"hour": 1, "minute": 53}
